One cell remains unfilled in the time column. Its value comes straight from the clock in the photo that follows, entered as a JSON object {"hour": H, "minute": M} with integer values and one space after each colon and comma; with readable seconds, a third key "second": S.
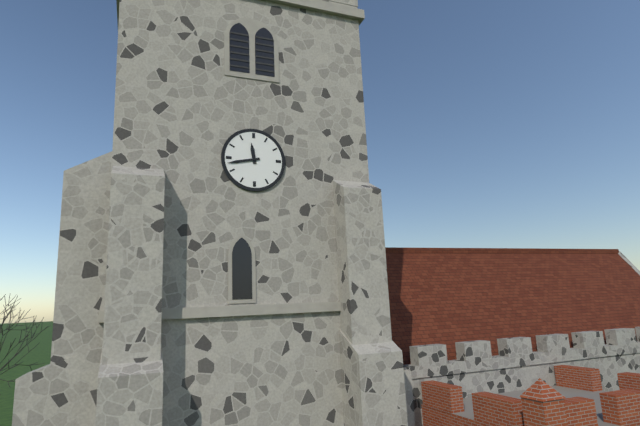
{"hour": 11, "minute": 43}
